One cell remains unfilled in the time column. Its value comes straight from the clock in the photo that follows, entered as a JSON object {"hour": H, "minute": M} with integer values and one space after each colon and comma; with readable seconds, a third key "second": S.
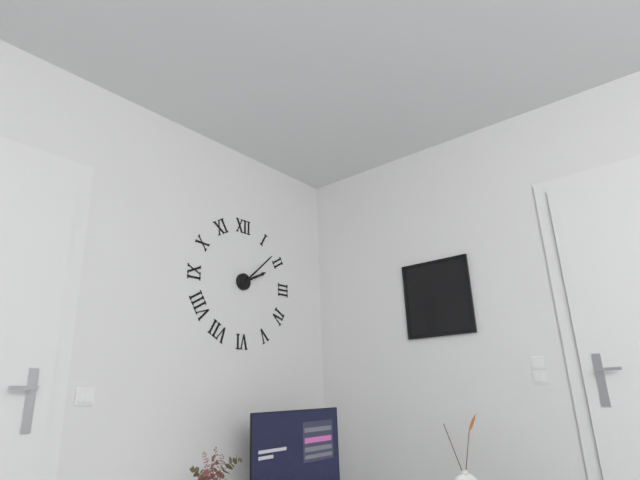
{"hour": 2, "minute": 8}
